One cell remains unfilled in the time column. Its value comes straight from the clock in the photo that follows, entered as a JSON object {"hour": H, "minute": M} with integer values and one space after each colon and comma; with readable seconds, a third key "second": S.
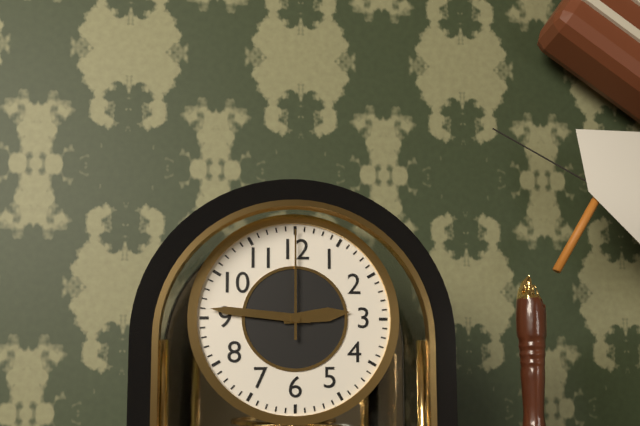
{"hour": 2, "minute": 46, "second": 0}
